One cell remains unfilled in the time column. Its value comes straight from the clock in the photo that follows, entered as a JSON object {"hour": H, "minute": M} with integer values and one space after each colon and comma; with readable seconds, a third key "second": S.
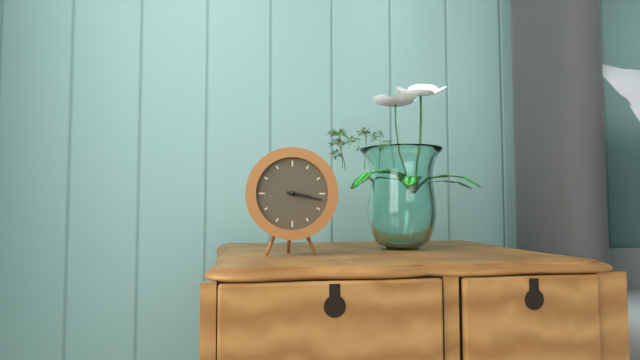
{"hour": 3, "minute": 17}
